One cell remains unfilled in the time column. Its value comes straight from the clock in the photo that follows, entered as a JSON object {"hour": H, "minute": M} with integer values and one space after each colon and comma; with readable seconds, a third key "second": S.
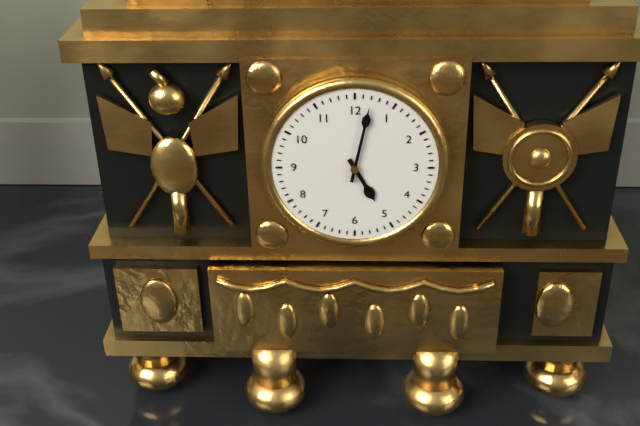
{"hour": 5, "minute": 2}
